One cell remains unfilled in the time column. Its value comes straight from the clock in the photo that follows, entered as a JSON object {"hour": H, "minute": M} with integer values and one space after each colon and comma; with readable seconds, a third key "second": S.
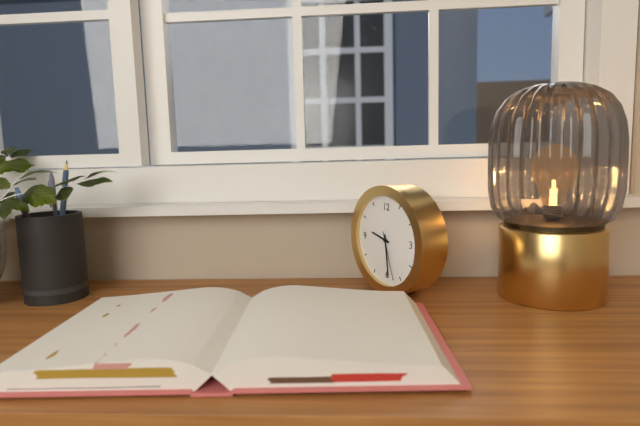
{"hour": 9, "minute": 29, "second": 27}
